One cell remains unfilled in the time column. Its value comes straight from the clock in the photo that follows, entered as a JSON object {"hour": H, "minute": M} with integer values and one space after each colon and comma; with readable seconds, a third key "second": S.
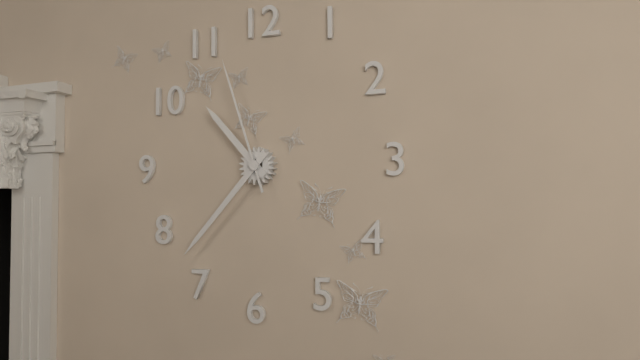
{"hour": 10, "minute": 37, "second": 57}
